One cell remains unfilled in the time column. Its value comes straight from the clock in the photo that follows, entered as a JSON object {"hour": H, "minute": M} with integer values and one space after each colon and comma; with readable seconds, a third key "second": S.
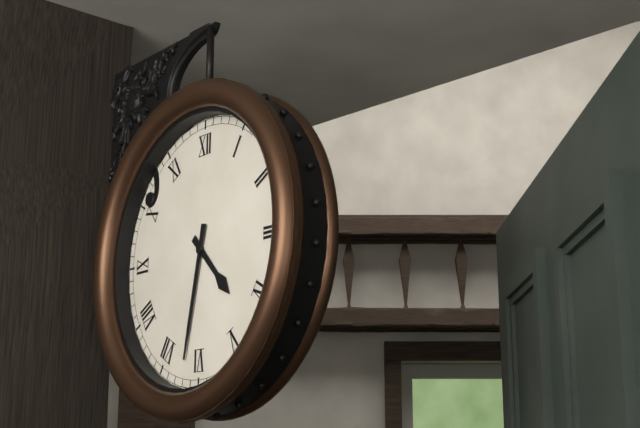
{"hour": 4, "minute": 32}
